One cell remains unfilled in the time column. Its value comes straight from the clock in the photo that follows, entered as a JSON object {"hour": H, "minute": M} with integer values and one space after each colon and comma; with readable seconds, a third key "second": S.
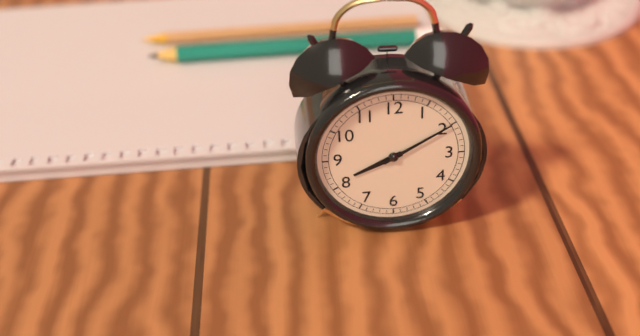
{"hour": 8, "minute": 10}
